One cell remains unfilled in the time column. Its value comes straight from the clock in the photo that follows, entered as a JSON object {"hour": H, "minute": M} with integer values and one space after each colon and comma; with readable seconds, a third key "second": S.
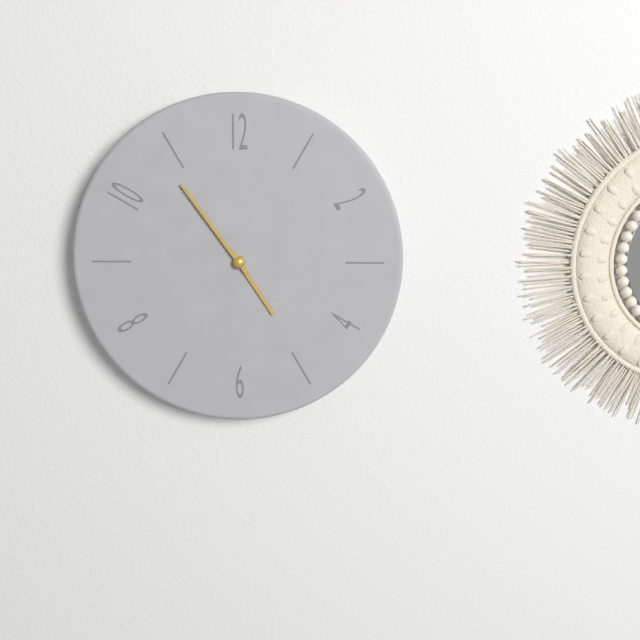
{"hour": 4, "minute": 54}
